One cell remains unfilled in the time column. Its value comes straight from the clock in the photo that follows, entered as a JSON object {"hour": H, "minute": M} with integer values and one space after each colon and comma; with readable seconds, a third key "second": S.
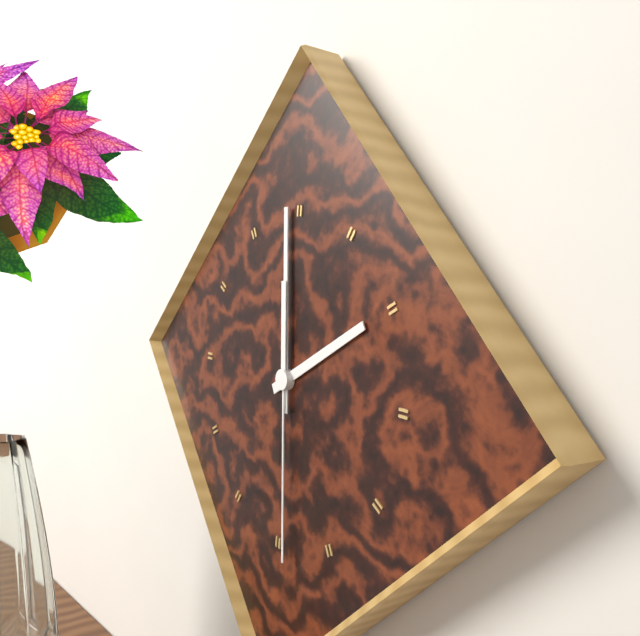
{"hour": 1, "minute": 59, "second": 29}
